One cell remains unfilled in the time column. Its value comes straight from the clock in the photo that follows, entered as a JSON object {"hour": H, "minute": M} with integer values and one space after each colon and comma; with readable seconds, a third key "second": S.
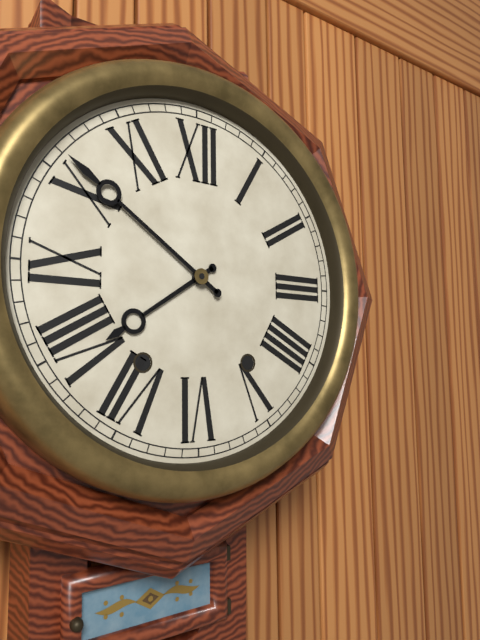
{"hour": 7, "minute": 51}
